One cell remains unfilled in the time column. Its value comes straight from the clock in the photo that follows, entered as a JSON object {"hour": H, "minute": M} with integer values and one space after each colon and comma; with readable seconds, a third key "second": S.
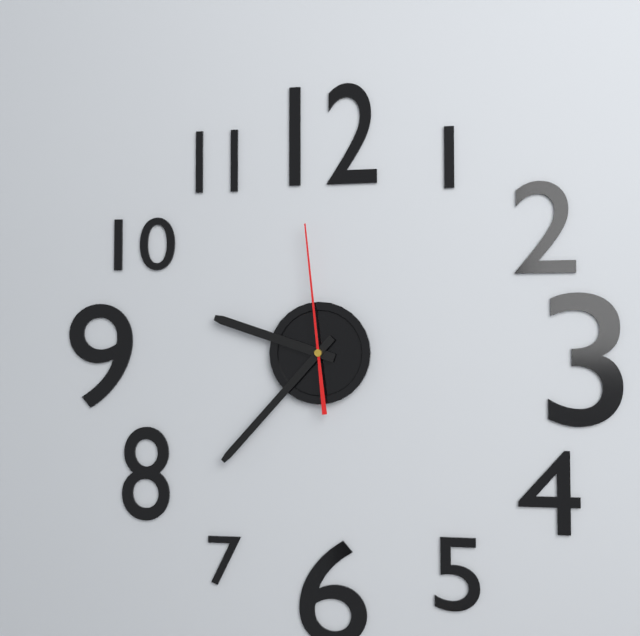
{"hour": 9, "minute": 37, "second": 59}
